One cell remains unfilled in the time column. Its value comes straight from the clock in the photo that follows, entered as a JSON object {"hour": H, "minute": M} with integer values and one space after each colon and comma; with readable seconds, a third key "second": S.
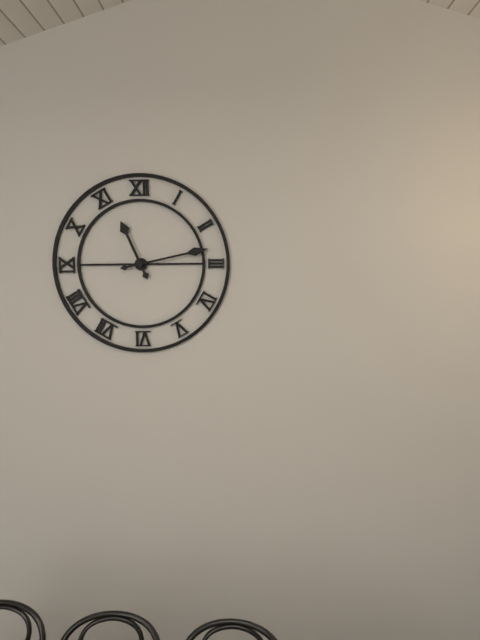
{"hour": 11, "minute": 13}
